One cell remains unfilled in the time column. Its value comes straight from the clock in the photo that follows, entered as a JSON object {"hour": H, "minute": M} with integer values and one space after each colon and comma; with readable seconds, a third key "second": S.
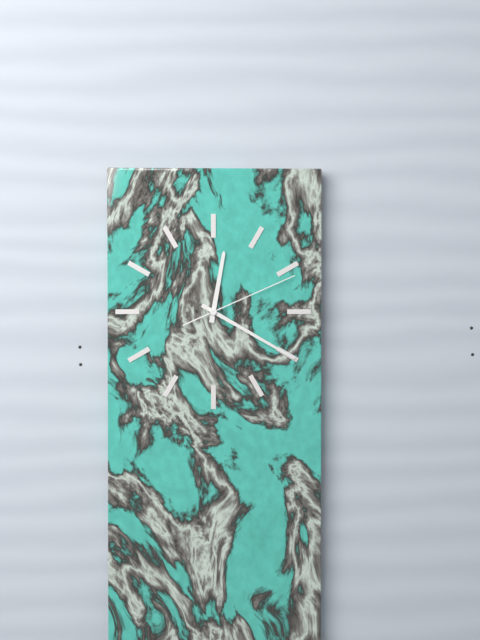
{"hour": 12, "minute": 20, "second": 11}
